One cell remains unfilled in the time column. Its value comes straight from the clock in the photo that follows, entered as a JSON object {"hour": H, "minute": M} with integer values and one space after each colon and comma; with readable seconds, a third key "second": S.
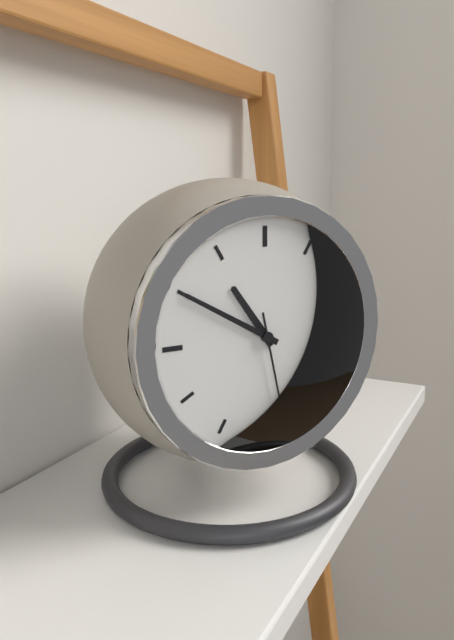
{"hour": 10, "minute": 50, "second": 28}
